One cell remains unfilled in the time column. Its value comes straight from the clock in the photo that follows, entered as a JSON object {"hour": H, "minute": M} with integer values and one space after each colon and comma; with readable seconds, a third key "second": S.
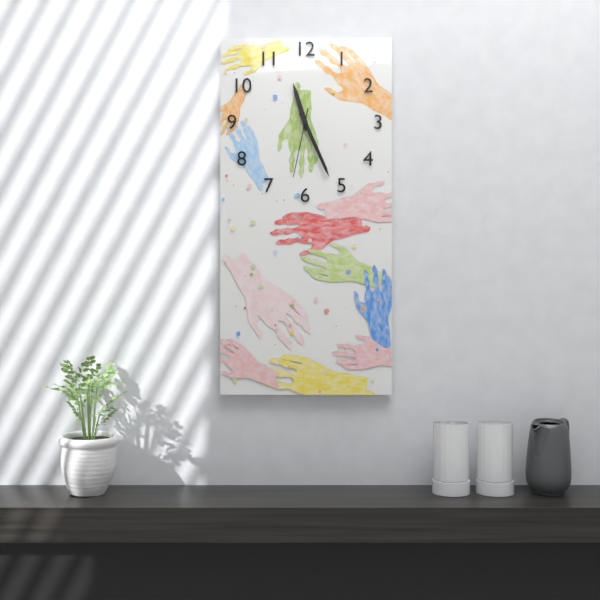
{"hour": 11, "minute": 26, "second": 32}
